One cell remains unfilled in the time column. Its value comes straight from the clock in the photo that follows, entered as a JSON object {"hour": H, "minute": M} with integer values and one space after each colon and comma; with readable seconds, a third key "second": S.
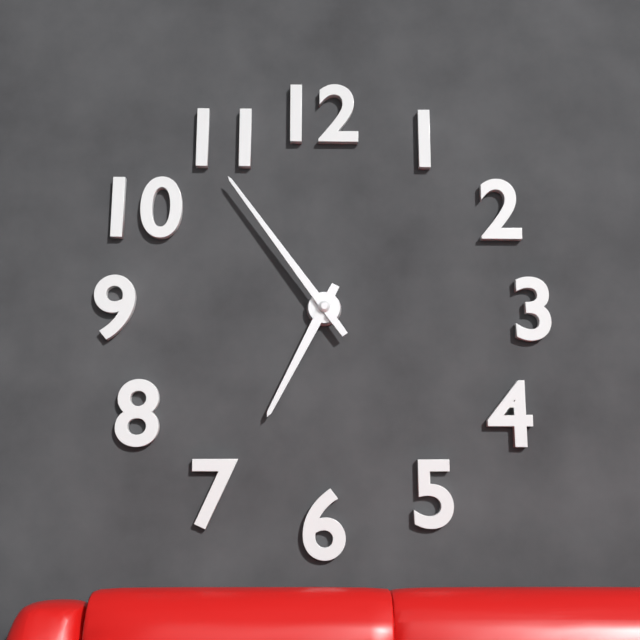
{"hour": 6, "minute": 54}
